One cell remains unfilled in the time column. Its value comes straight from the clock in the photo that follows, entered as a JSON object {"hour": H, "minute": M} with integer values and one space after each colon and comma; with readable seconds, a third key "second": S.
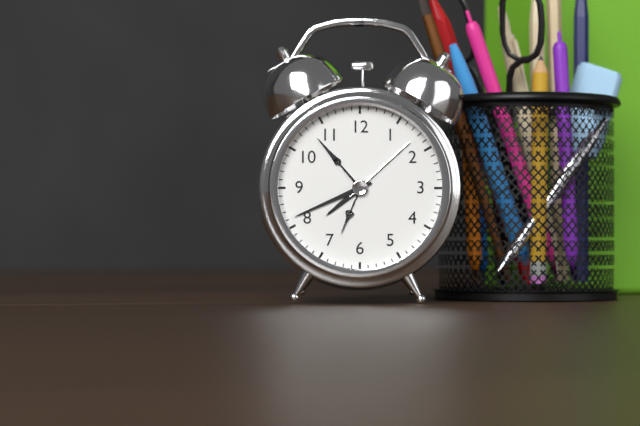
{"hour": 7, "minute": 41}
